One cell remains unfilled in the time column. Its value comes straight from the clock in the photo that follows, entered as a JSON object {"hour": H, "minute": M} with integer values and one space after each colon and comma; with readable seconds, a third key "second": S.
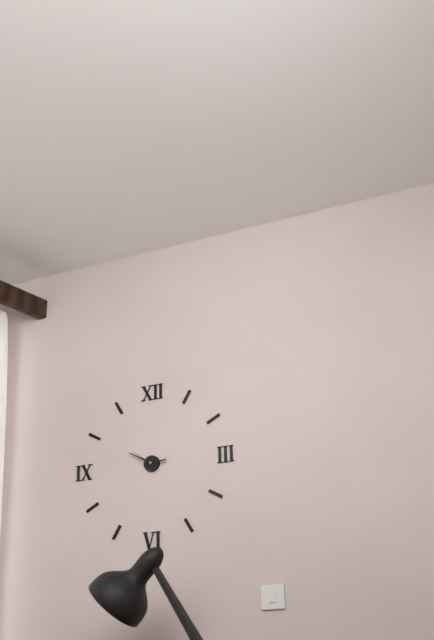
{"hour": 2, "minute": 50}
